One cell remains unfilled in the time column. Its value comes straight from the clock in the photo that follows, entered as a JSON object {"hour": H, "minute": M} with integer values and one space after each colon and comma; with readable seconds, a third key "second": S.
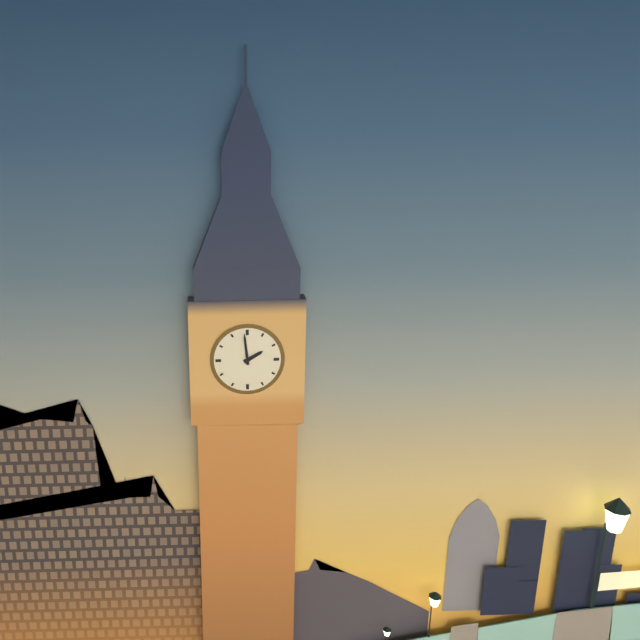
{"hour": 1, "minute": 59}
